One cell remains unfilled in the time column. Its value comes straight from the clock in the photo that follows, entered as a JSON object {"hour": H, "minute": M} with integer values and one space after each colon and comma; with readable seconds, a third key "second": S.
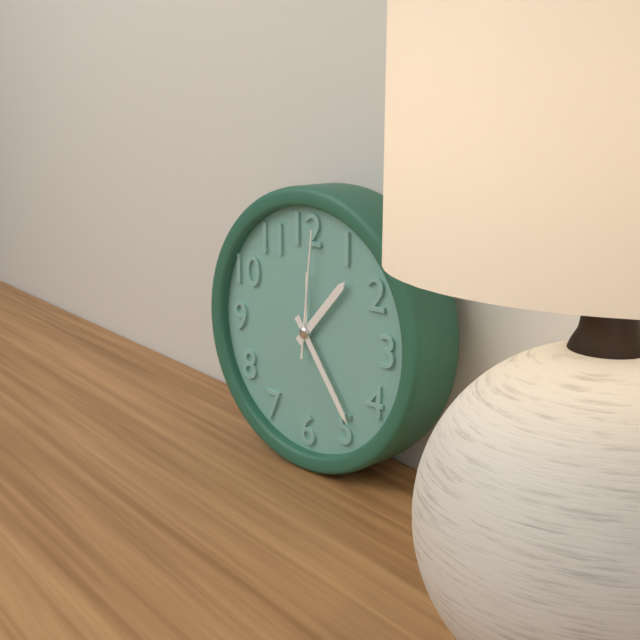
{"hour": 1, "minute": 24, "second": 1}
